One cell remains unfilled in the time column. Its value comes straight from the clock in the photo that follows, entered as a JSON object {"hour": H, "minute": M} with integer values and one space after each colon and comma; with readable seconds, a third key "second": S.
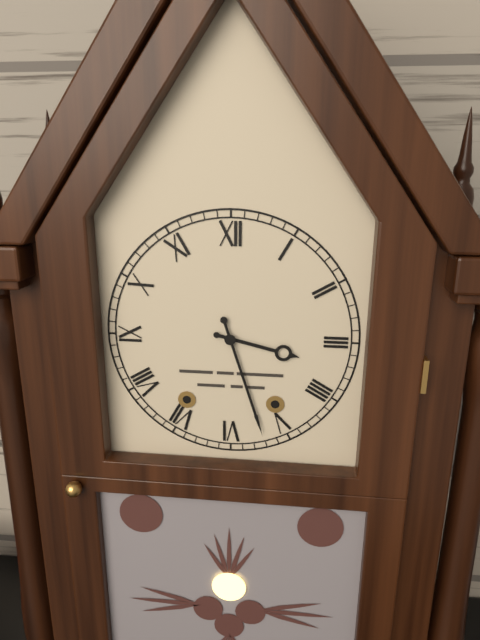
{"hour": 3, "minute": 27}
